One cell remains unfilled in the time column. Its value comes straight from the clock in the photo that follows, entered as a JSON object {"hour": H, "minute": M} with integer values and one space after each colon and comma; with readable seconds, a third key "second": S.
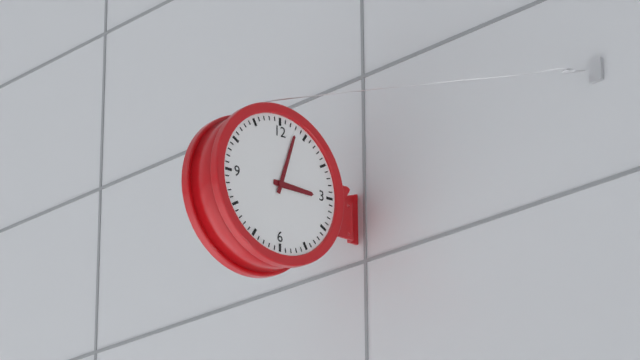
{"hour": 3, "minute": 3}
